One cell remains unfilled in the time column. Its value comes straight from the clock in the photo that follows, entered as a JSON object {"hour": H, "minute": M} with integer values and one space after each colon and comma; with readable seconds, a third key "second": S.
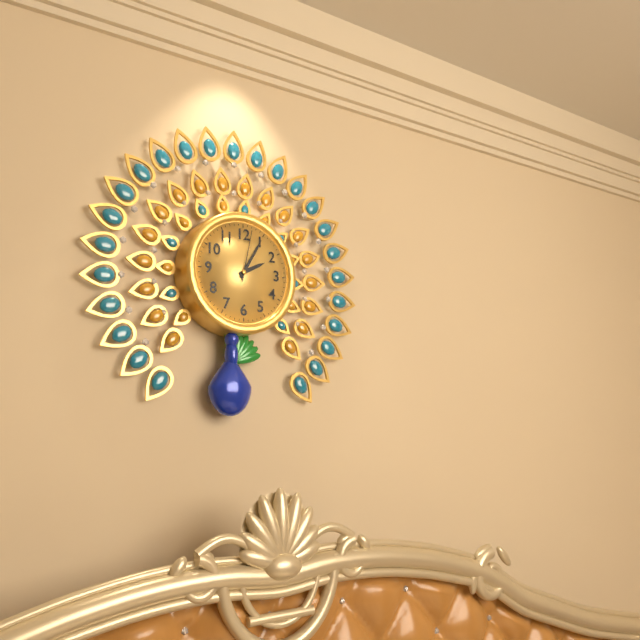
{"hour": 2, "minute": 5, "second": 2}
